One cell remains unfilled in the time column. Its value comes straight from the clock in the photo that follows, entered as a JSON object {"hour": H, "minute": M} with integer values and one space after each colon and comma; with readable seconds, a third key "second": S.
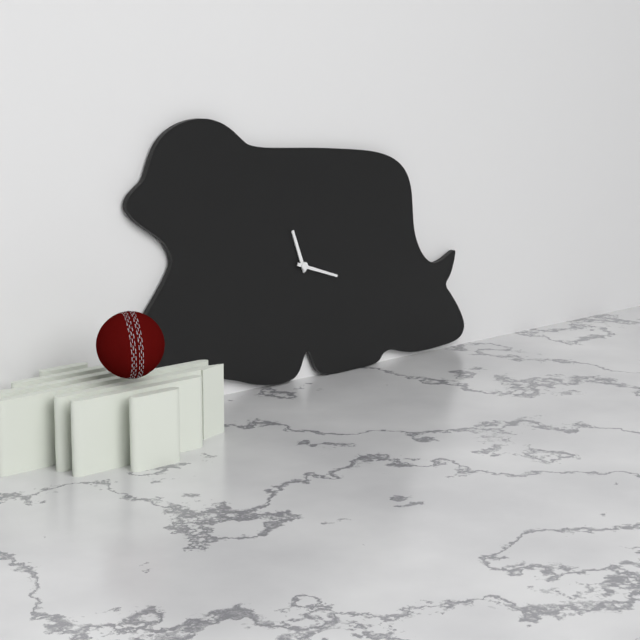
{"hour": 11, "minute": 18}
